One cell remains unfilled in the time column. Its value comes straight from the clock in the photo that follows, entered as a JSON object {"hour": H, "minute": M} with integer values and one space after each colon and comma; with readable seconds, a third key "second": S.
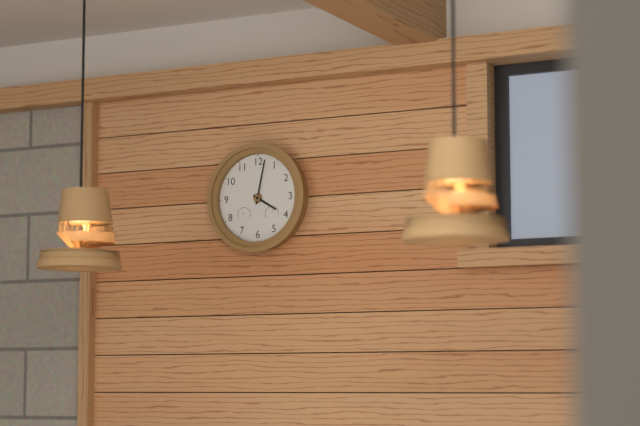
{"hour": 4, "minute": 2}
